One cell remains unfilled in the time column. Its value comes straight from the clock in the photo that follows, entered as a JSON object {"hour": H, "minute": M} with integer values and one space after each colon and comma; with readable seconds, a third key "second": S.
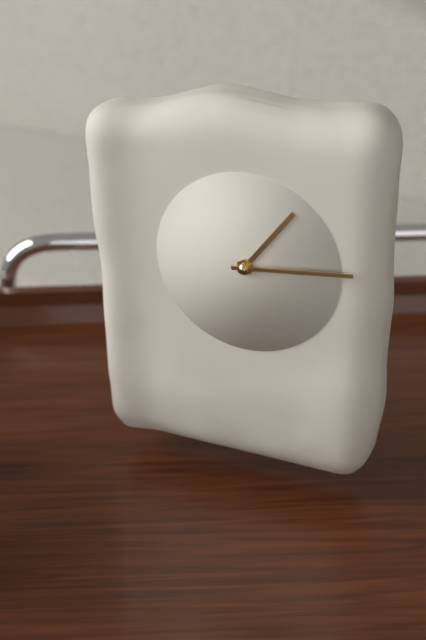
{"hour": 1, "minute": 14}
